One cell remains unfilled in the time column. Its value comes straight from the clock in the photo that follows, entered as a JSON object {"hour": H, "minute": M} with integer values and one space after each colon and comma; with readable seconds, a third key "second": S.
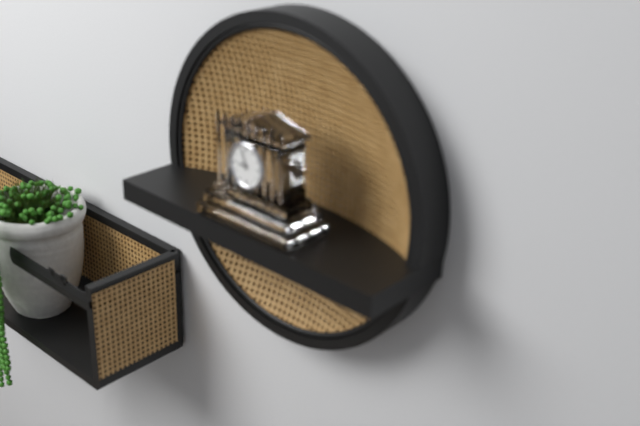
{"hour": 8, "minute": 57}
